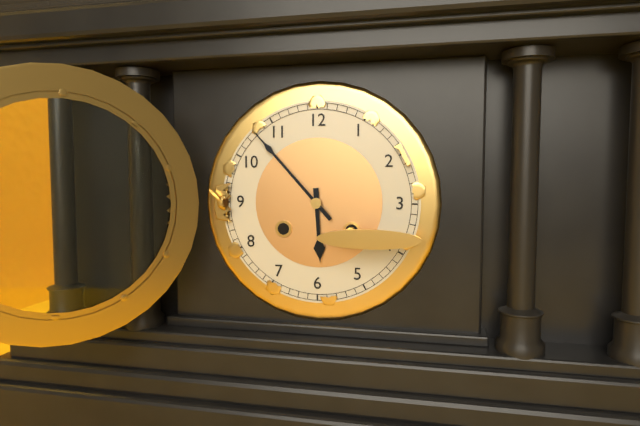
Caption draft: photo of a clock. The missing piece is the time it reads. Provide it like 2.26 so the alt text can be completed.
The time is 5.53
